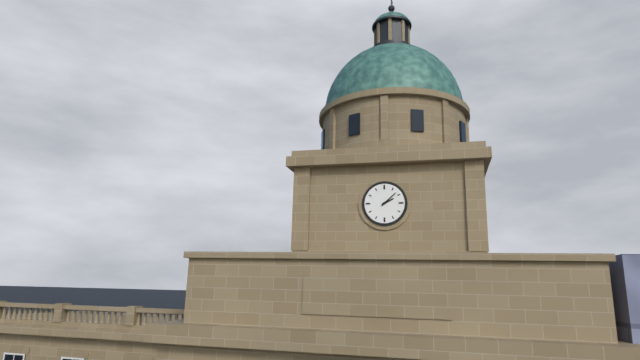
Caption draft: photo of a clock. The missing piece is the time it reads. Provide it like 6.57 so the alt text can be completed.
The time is 2.08
